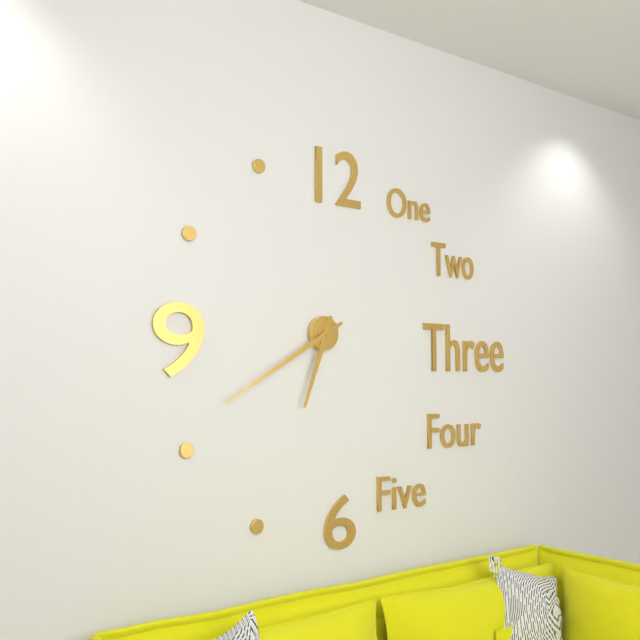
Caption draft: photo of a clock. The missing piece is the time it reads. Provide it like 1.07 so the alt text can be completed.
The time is 6.40
